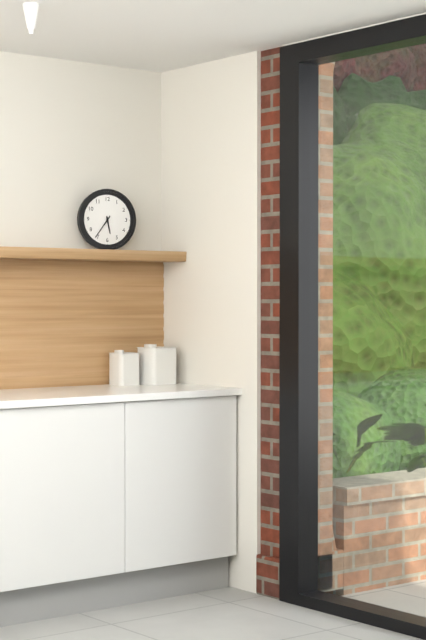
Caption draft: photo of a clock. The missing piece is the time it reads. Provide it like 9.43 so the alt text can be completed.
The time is 5.36
